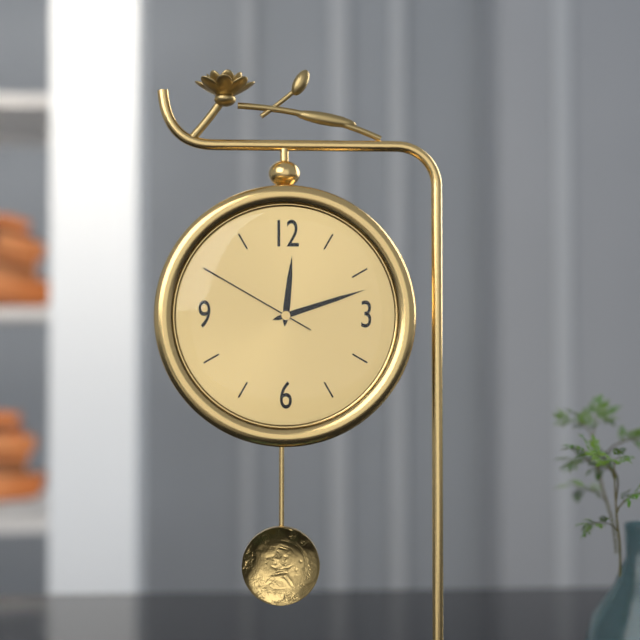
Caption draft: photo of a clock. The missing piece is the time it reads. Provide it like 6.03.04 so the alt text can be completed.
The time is 12.12.50
